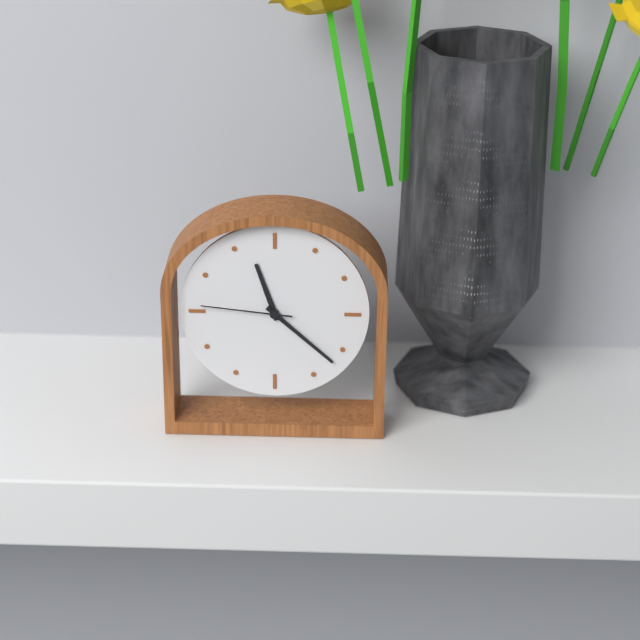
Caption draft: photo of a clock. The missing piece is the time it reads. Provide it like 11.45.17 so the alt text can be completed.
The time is 11.22.46
